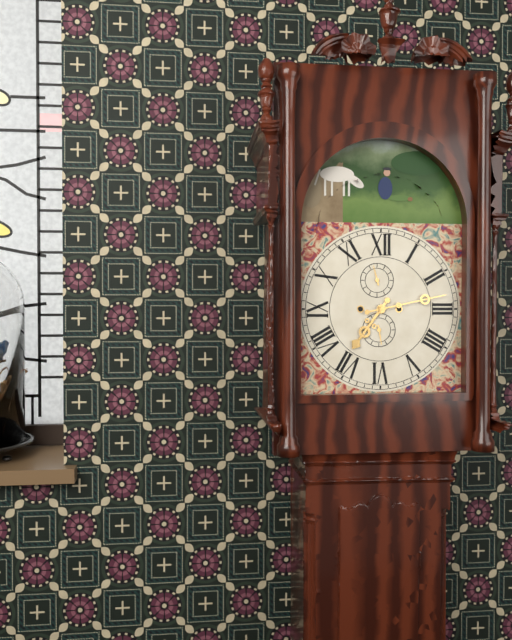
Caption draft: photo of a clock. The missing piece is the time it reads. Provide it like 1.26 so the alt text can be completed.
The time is 7.13
